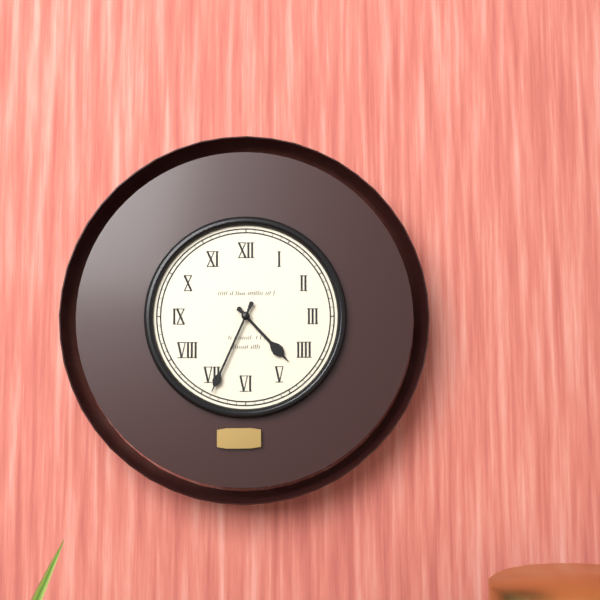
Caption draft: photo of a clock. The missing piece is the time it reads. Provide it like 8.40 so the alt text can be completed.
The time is 4.34
